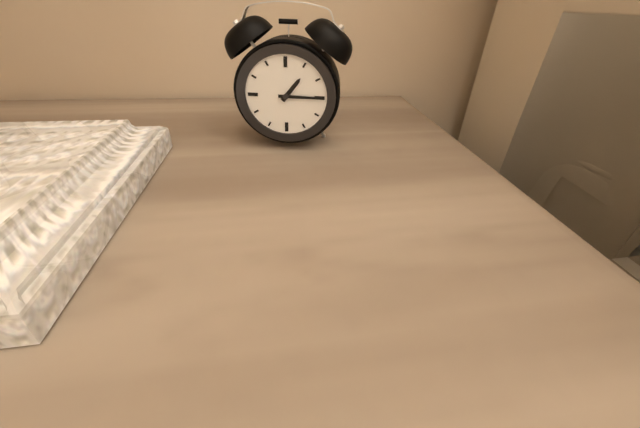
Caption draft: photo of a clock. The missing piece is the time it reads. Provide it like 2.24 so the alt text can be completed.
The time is 1.15
